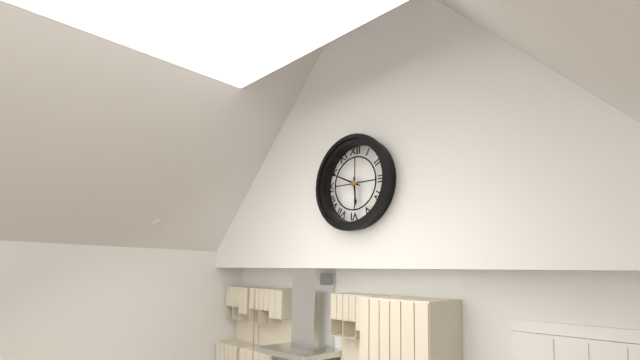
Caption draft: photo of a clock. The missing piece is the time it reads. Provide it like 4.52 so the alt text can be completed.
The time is 5.49
